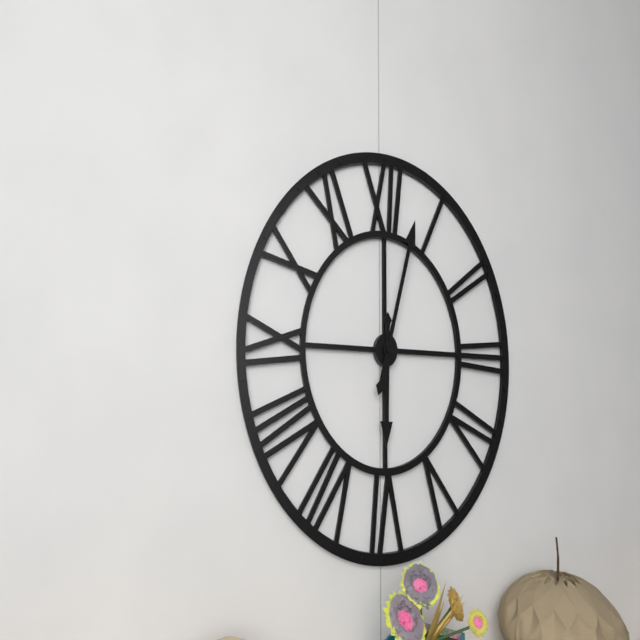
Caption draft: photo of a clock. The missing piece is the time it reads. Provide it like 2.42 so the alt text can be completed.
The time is 6.03
